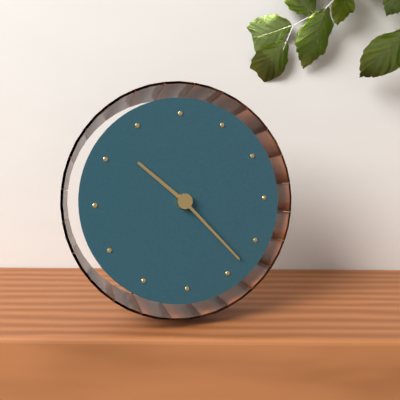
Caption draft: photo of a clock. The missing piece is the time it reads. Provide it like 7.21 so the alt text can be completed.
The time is 10.23
